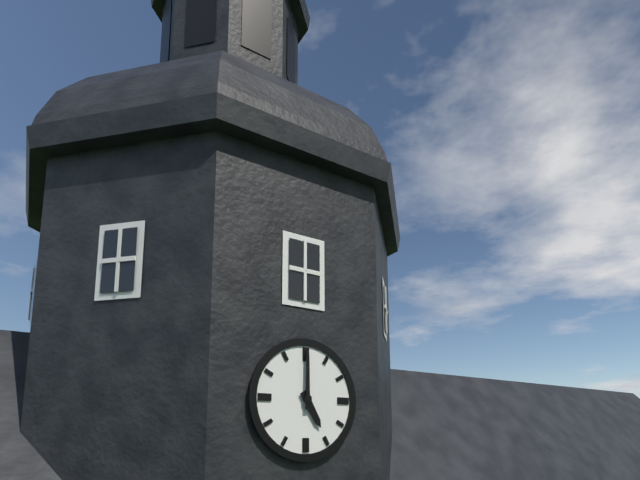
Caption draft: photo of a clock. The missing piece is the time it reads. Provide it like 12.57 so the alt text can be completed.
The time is 5.00
